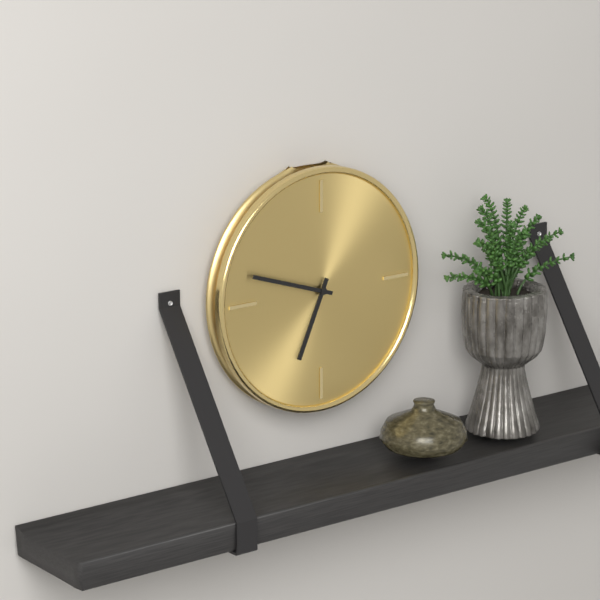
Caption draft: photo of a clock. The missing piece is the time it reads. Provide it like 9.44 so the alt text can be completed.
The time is 6.48
